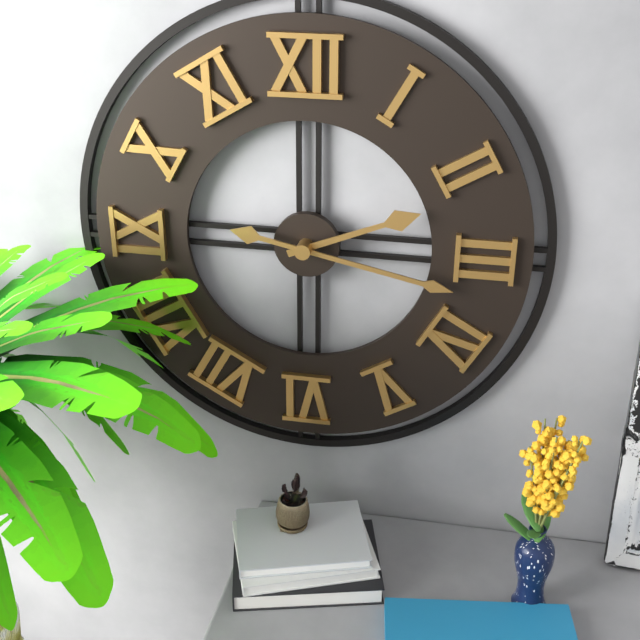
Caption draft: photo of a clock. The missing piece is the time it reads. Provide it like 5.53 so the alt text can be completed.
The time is 2.17
